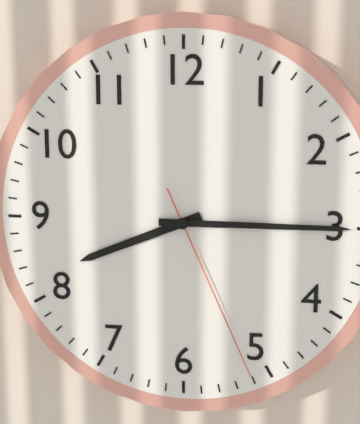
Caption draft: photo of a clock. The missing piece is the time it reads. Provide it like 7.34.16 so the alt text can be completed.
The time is 8.15.26
